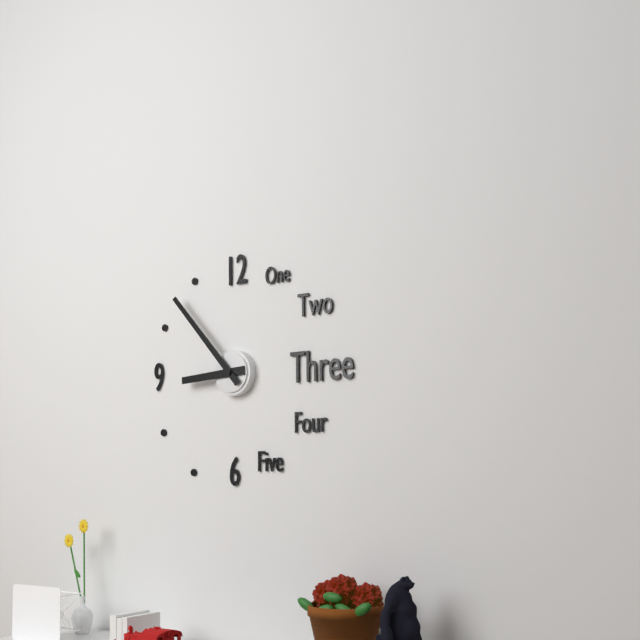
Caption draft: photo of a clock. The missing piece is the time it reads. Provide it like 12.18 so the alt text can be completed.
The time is 8.53
